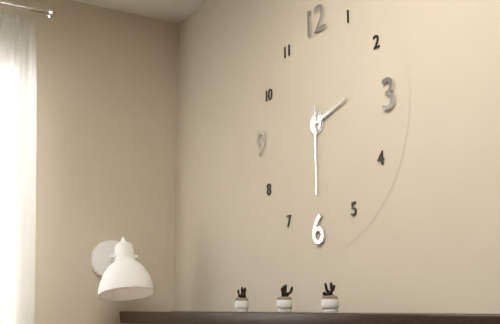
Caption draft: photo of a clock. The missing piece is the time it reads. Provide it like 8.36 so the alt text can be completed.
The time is 2.30
